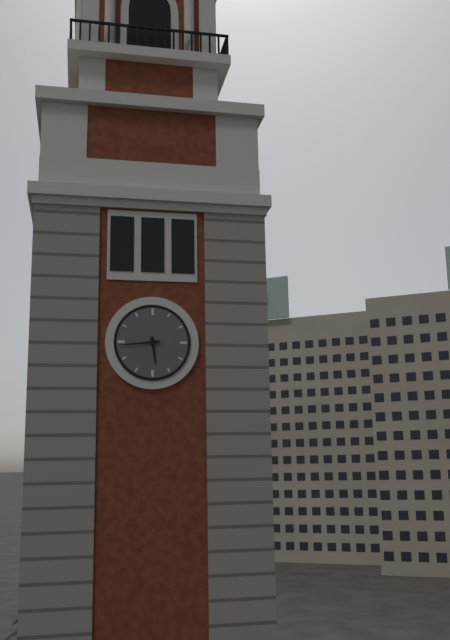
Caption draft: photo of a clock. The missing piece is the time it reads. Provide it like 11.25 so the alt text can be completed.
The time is 5.44
